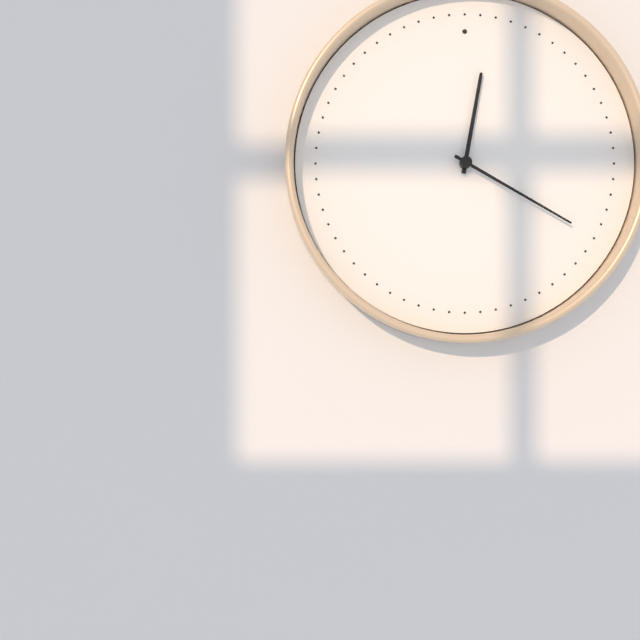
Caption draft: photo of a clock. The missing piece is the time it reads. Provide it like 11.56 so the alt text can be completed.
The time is 12.20
